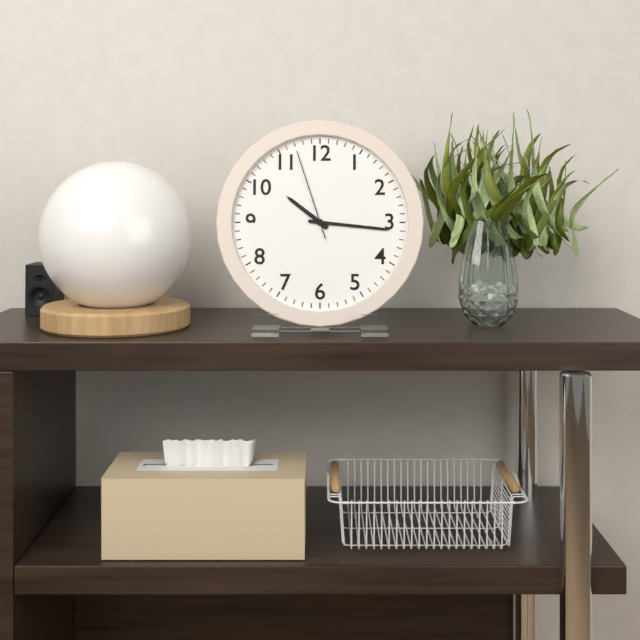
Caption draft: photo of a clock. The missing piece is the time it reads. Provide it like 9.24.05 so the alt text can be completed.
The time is 10.16.57
